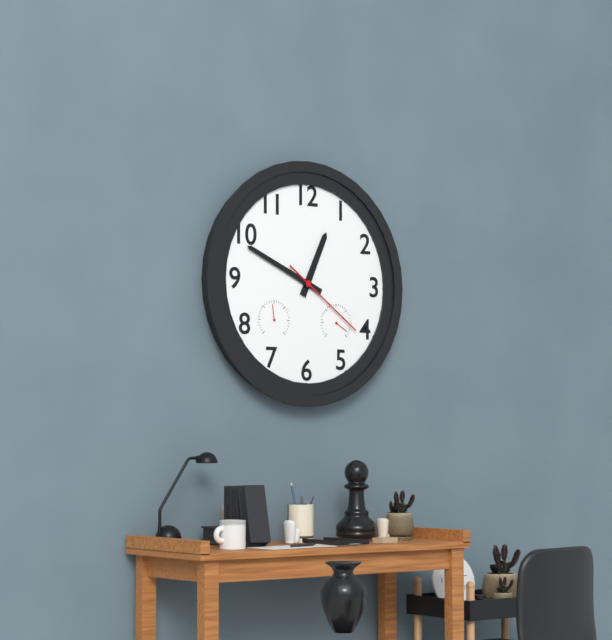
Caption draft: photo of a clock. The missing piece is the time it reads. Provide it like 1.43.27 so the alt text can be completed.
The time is 12.49.21
